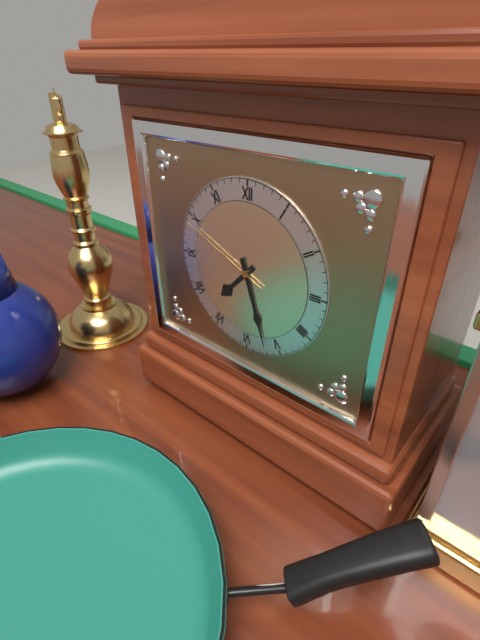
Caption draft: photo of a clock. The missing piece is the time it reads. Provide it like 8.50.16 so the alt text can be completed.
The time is 7.27.49
